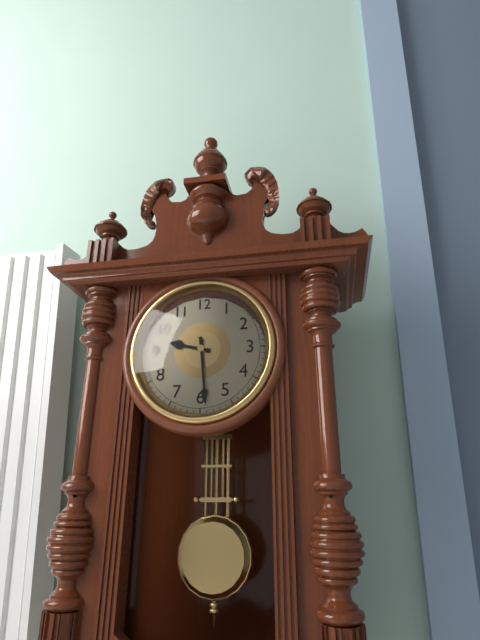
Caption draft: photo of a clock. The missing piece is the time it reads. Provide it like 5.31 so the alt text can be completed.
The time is 9.29
